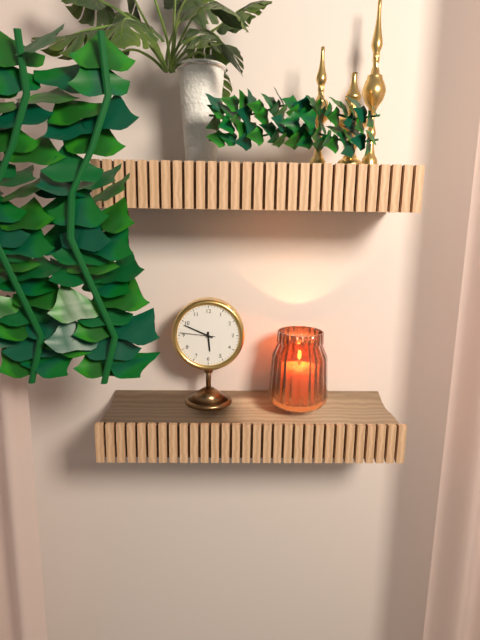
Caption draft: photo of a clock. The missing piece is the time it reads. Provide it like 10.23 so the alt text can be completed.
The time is 5.49
